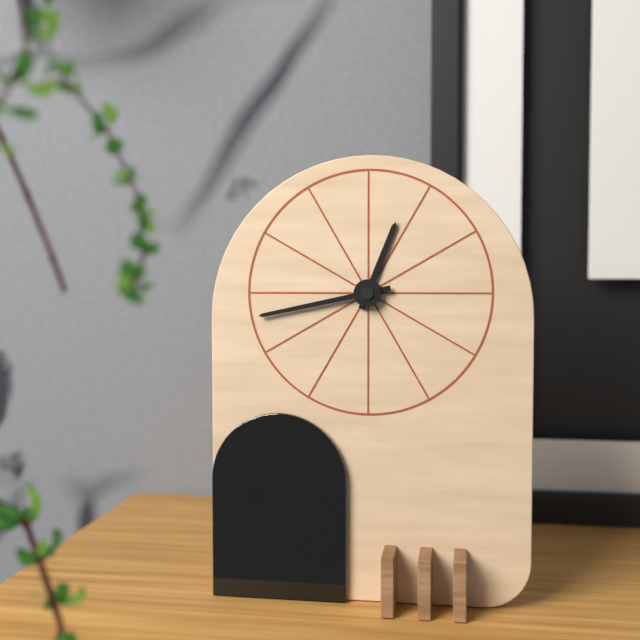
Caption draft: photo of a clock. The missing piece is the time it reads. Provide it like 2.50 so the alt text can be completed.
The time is 12.43
